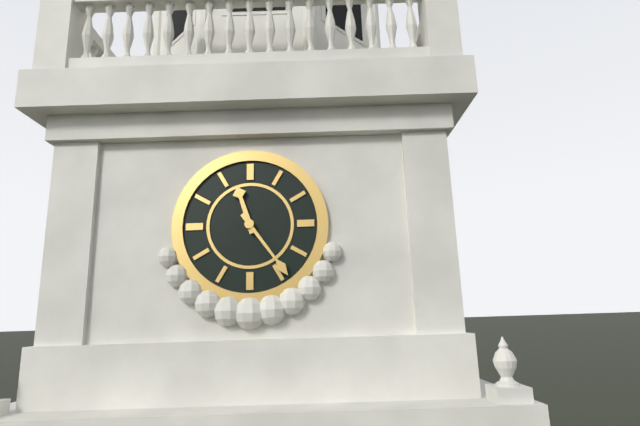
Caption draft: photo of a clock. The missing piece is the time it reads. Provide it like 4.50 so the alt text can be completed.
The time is 11.24
